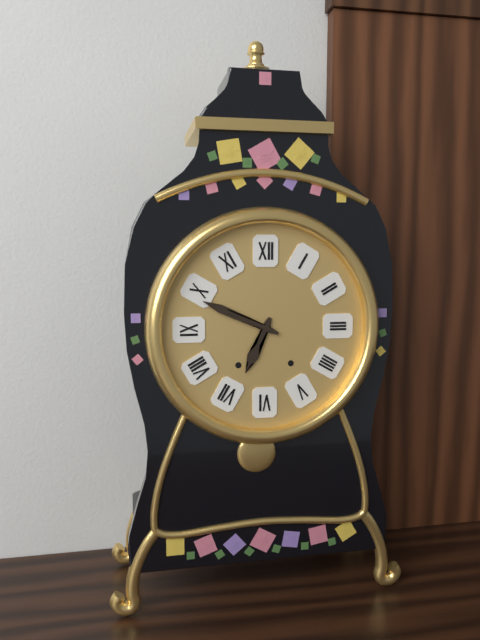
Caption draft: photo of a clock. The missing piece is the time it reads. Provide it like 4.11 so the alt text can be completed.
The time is 6.49
